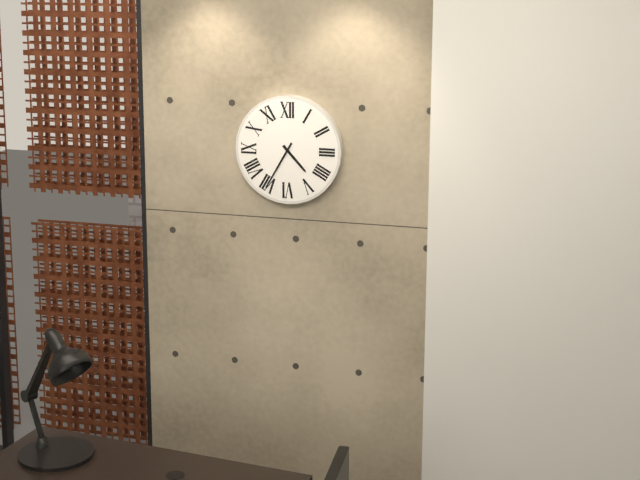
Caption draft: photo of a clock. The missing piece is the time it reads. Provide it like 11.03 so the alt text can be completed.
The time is 4.35
